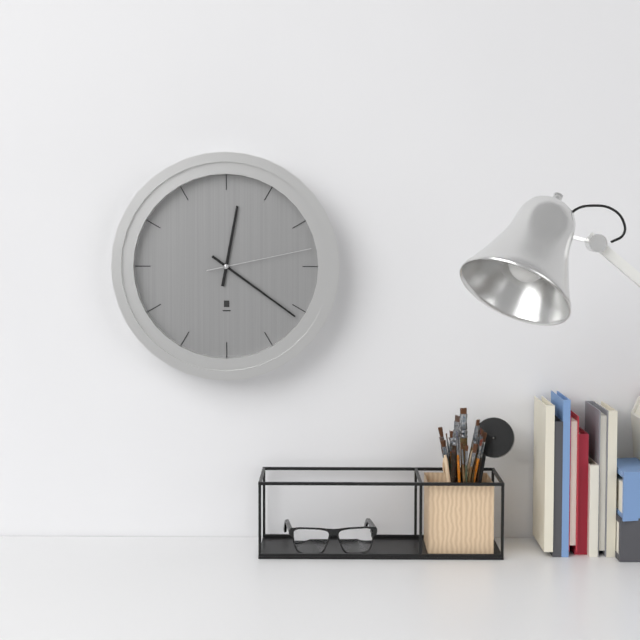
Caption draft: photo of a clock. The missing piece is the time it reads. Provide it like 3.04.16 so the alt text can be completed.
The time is 12.21.13
